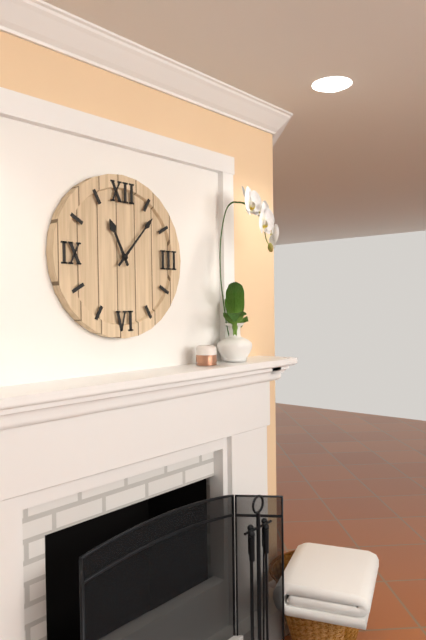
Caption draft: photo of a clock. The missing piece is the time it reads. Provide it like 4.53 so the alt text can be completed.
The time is 11.07
